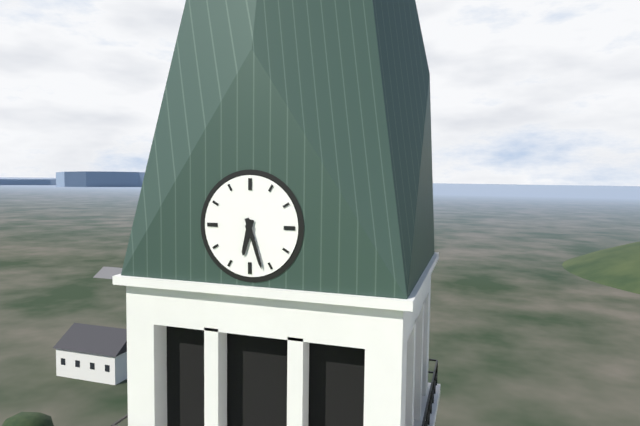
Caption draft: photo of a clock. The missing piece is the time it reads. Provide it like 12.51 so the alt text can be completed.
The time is 6.27
